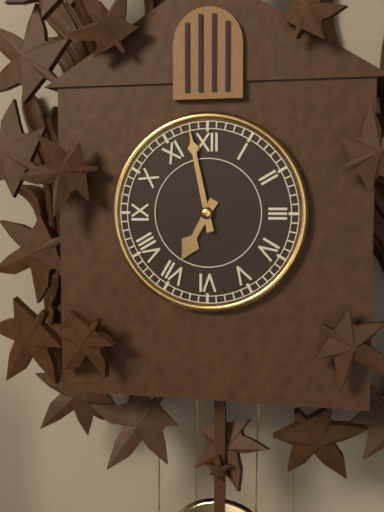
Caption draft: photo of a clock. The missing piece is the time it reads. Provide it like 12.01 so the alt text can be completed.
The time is 6.58
